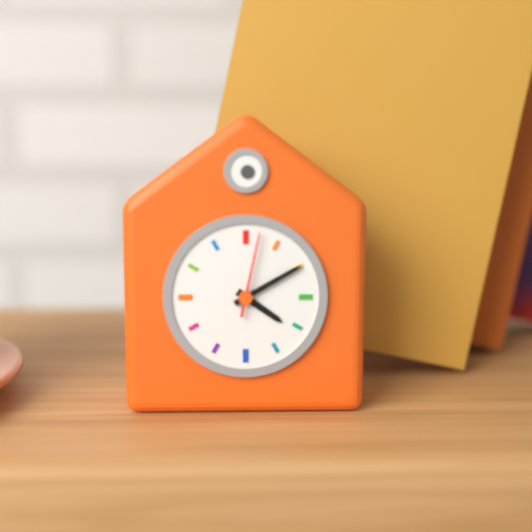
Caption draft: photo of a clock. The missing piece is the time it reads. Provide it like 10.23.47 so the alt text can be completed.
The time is 4.10.02
